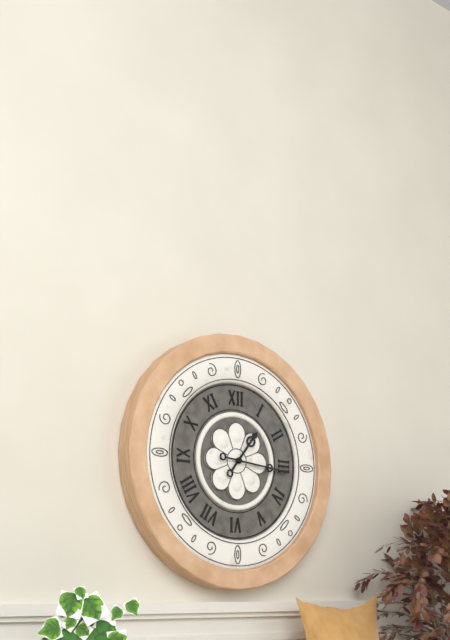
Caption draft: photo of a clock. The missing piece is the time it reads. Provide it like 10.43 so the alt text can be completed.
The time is 1.16
